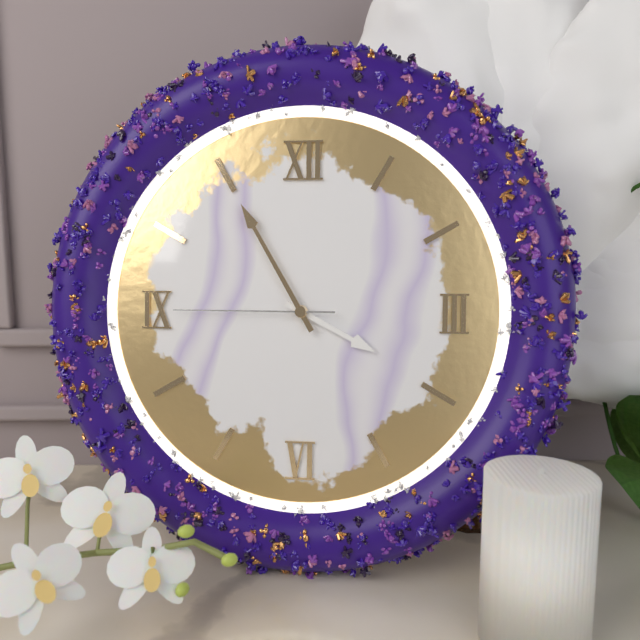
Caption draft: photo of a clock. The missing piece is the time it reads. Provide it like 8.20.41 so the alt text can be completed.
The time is 3.55.45
